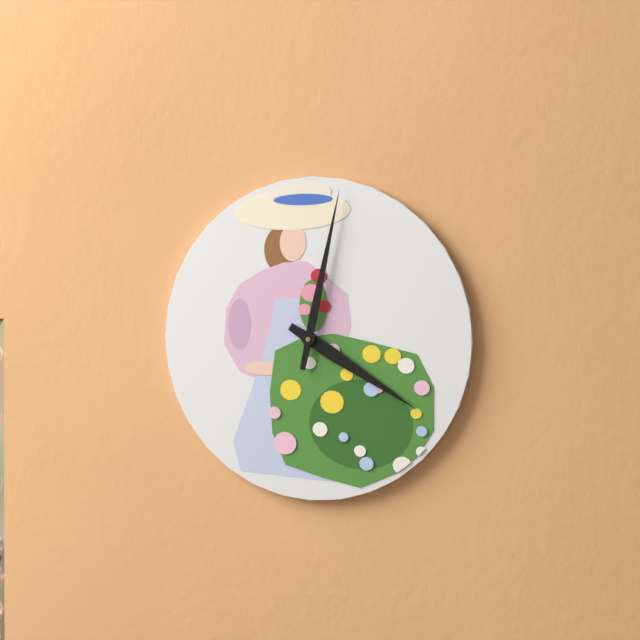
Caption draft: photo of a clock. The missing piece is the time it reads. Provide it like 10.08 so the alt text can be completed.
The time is 4.02
